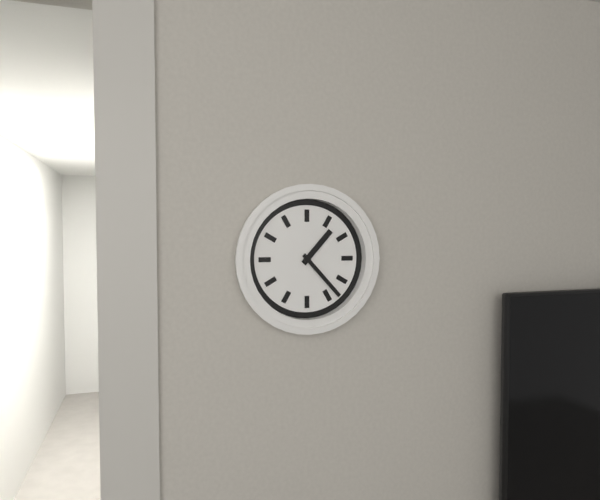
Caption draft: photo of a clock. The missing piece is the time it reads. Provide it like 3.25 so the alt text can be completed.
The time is 1.23
